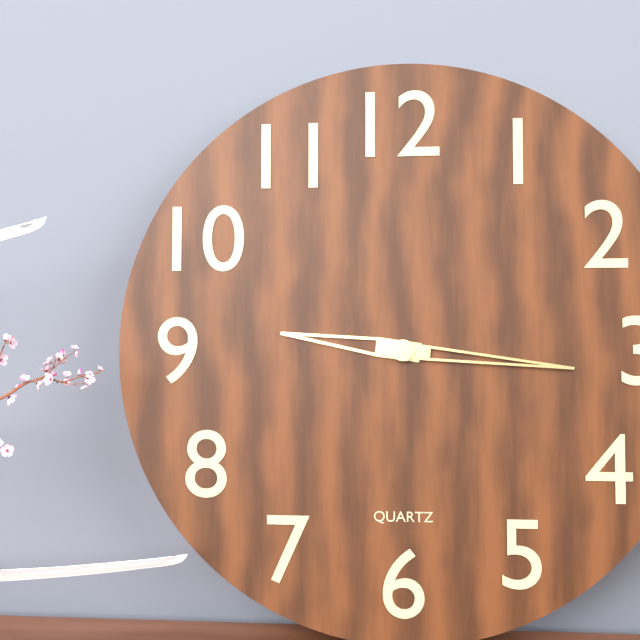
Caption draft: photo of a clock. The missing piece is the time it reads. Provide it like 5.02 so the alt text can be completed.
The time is 9.16
